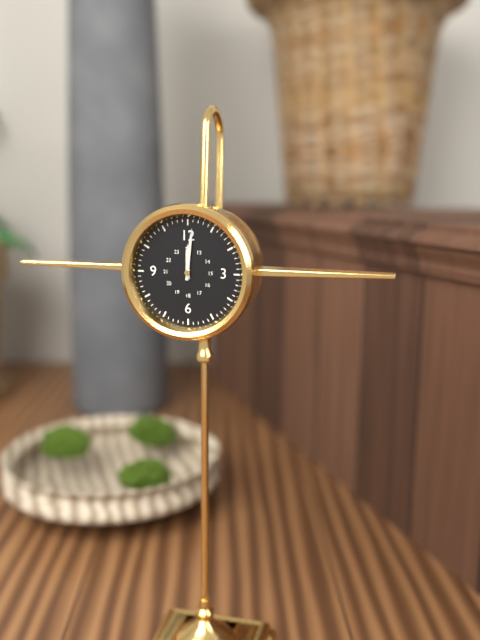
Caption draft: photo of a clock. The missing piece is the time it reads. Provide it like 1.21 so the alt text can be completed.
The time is 12.01
